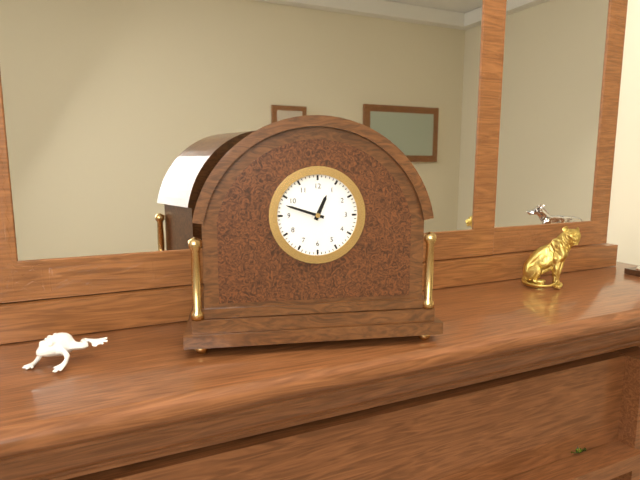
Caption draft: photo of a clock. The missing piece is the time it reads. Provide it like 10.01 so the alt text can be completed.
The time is 12.48
